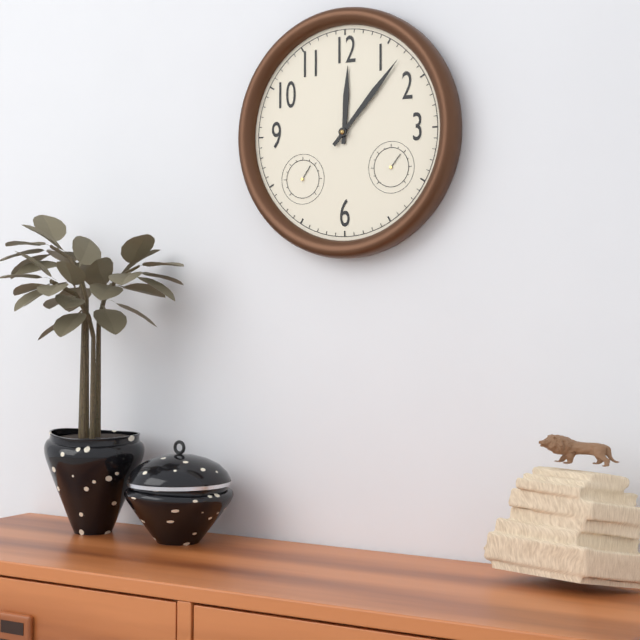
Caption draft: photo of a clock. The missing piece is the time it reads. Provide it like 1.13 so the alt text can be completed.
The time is 12.07
